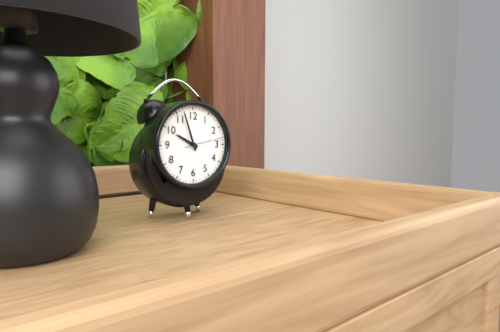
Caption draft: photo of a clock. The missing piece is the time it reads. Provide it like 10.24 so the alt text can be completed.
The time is 9.57
